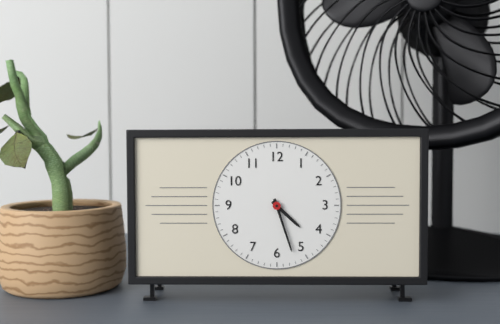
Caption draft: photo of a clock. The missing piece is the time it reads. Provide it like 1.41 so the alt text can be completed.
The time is 4.27
